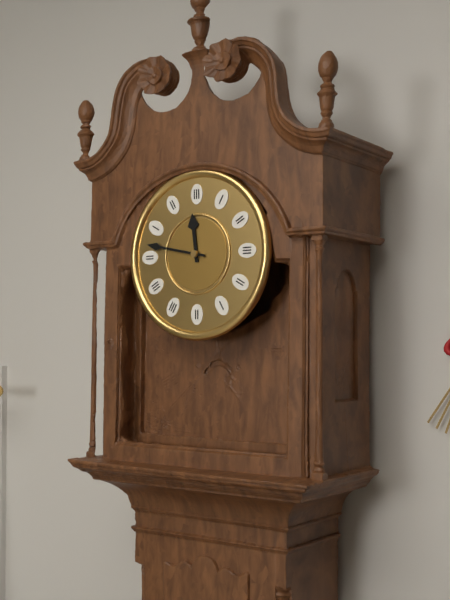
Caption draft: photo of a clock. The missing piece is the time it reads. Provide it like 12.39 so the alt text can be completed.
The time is 11.47
